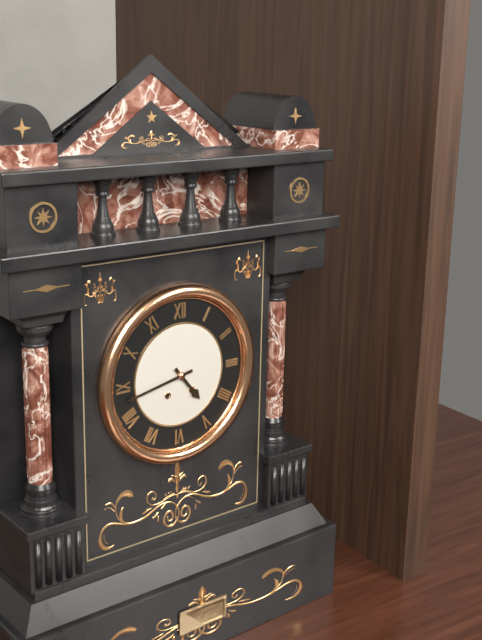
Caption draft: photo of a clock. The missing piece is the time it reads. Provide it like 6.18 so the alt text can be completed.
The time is 4.43
